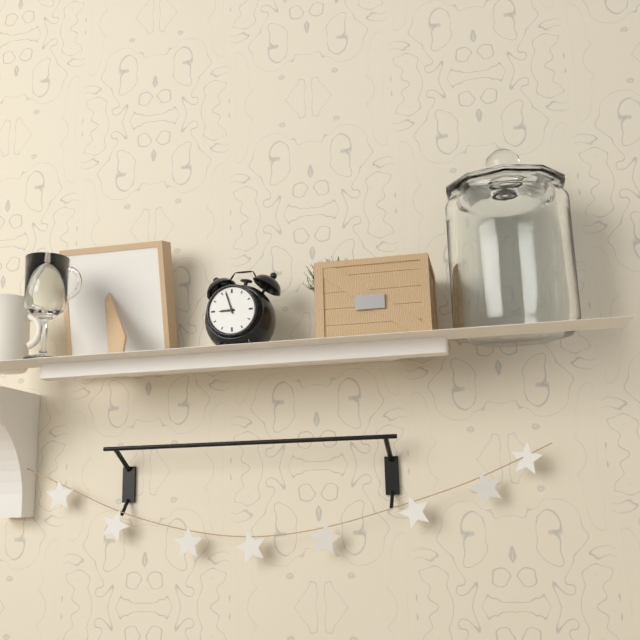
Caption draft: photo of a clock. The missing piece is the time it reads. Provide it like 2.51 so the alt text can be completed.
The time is 8.57
